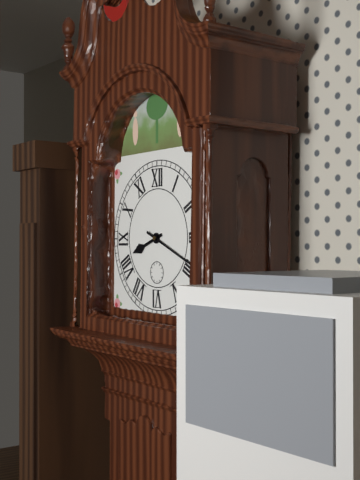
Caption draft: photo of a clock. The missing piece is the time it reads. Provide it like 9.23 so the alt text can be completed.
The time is 8.19
